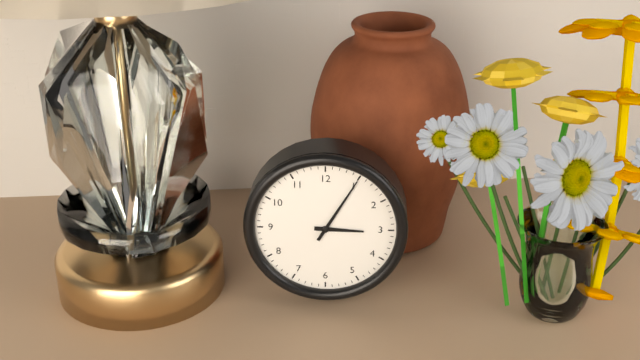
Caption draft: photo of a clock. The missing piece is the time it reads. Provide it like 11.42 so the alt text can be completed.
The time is 3.05
